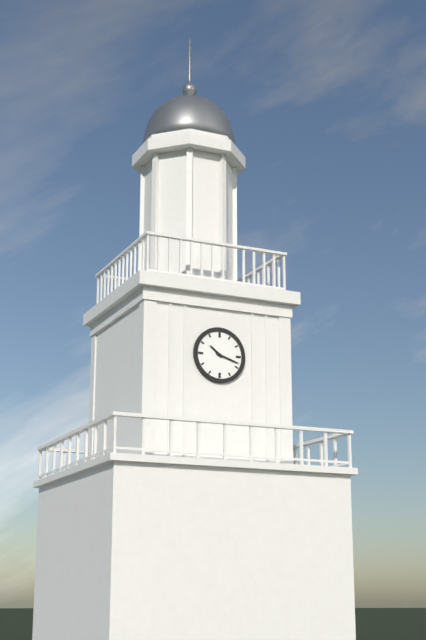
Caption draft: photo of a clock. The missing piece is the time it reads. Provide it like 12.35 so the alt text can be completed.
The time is 10.18
